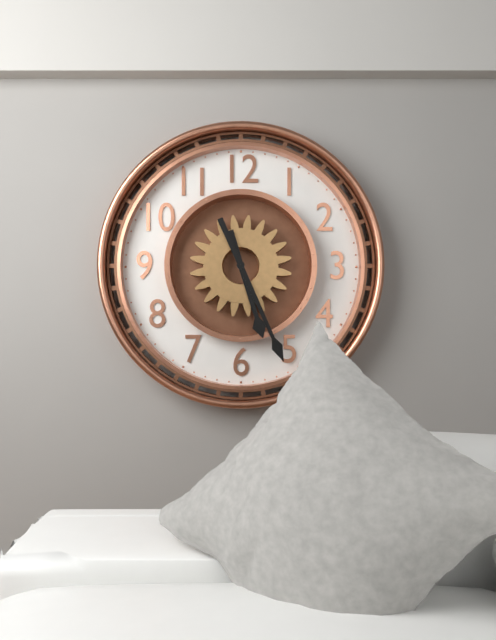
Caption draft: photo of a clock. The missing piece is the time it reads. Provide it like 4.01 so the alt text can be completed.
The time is 5.26
